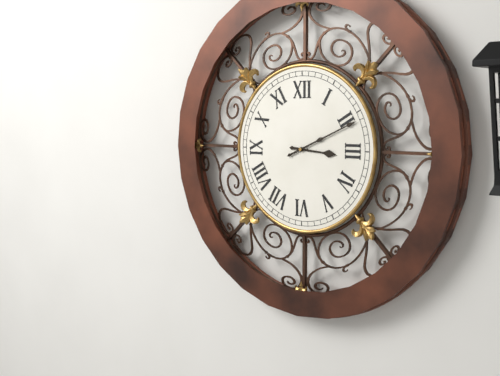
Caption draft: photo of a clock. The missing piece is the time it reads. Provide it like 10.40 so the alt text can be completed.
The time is 3.11
